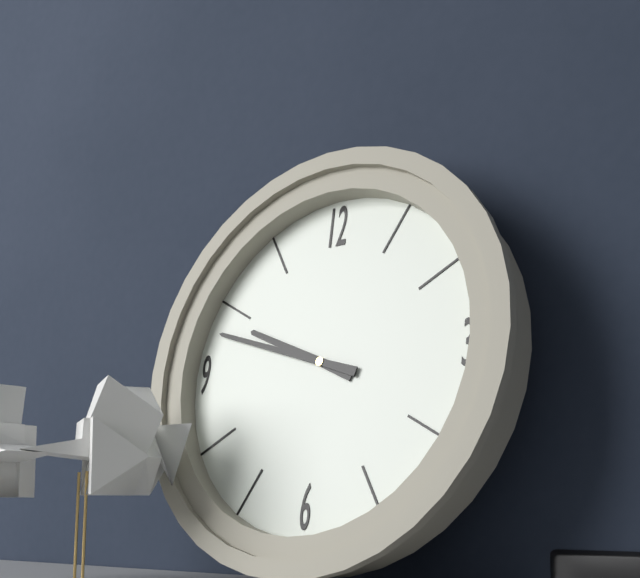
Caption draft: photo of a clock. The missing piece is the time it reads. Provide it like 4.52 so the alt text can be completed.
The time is 9.48
